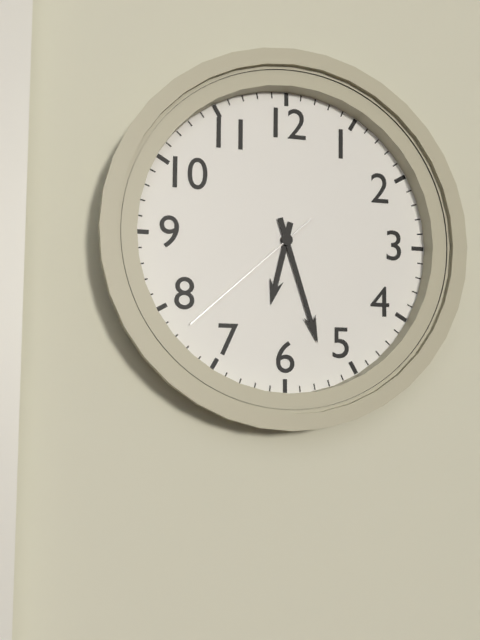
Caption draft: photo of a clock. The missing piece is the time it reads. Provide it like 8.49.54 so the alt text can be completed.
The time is 6.27.38
